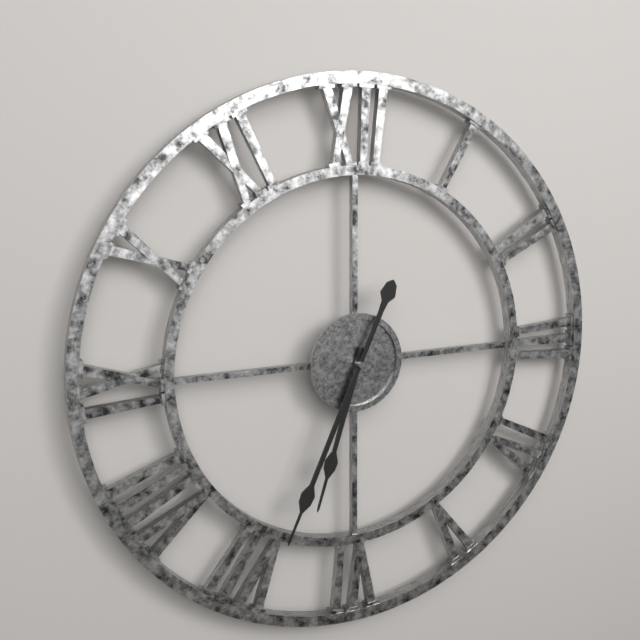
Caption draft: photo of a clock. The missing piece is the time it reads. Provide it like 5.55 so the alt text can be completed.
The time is 6.34
